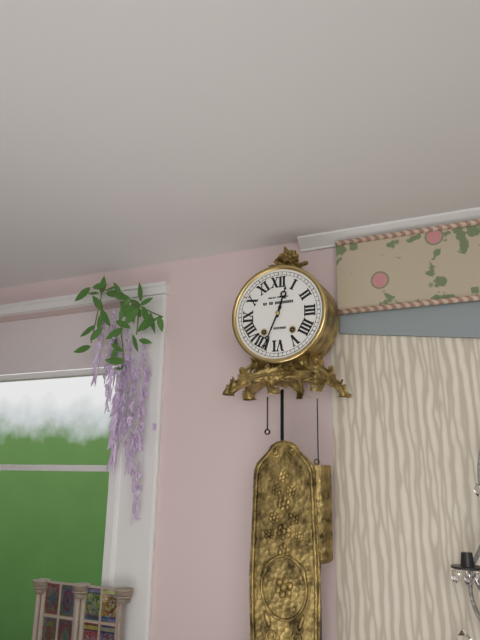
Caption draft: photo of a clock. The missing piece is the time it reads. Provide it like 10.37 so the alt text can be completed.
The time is 12.34
